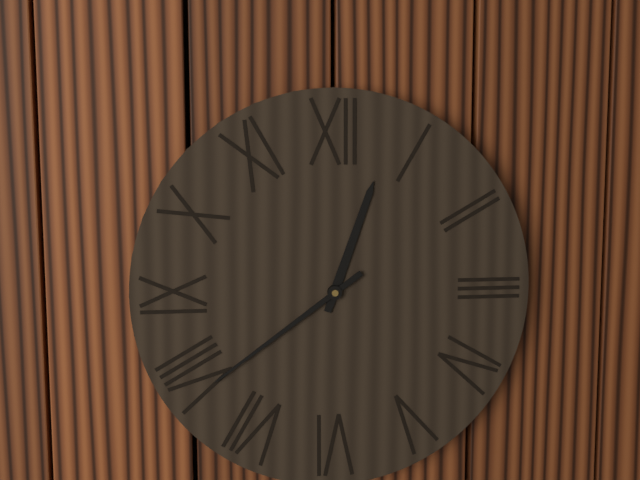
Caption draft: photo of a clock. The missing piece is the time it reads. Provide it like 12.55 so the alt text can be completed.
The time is 12.39
